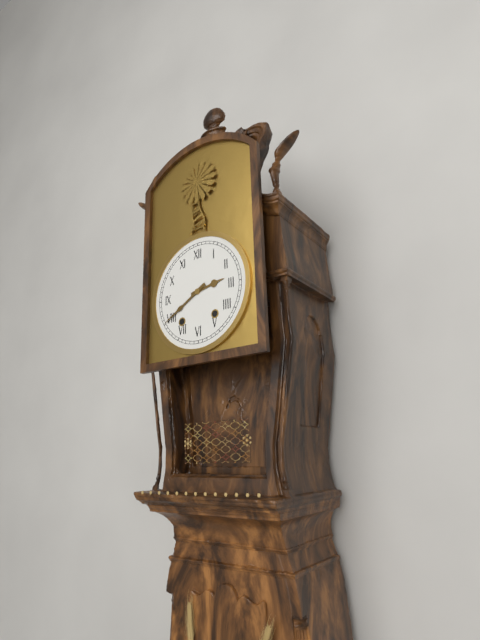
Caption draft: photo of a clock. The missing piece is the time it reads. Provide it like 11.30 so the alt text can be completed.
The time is 2.40
